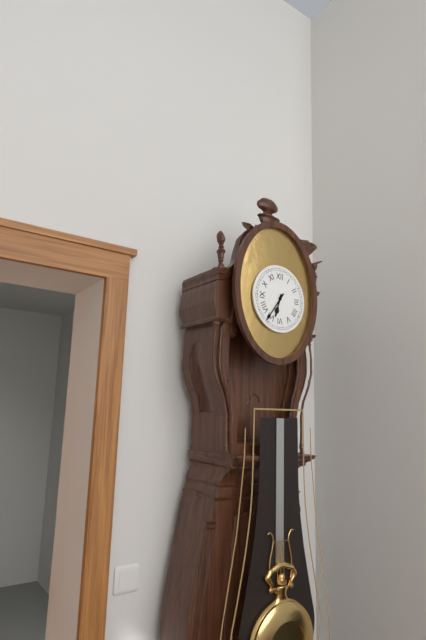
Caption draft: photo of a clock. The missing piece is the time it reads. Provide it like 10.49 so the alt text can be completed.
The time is 6.36
